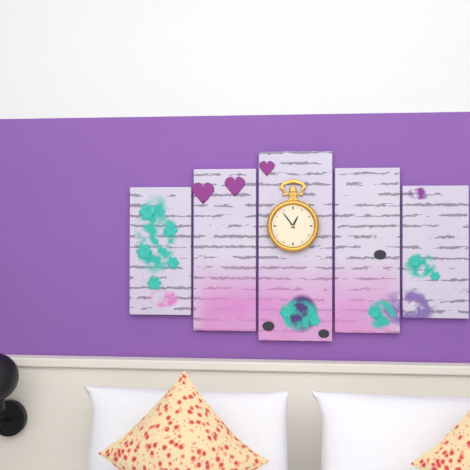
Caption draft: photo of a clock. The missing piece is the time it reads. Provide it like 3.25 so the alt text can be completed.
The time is 12.54
